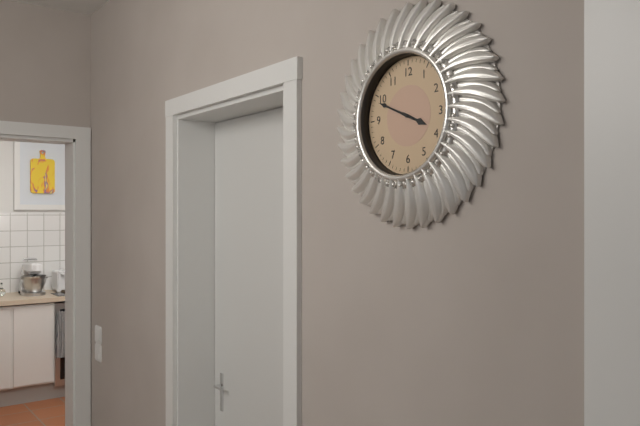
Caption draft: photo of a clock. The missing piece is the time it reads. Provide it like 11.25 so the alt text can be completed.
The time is 3.49
